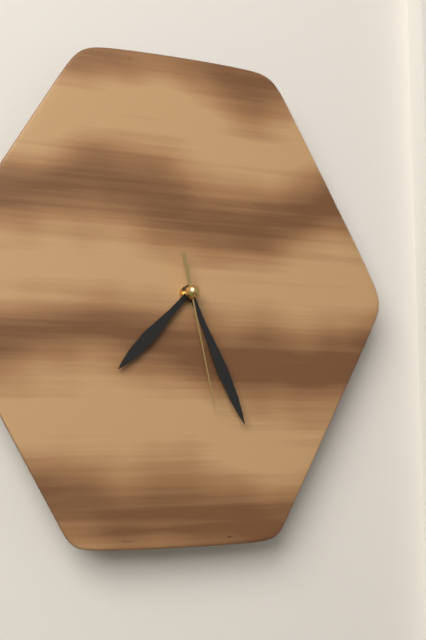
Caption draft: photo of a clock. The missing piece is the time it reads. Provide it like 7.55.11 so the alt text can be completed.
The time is 7.26.28
